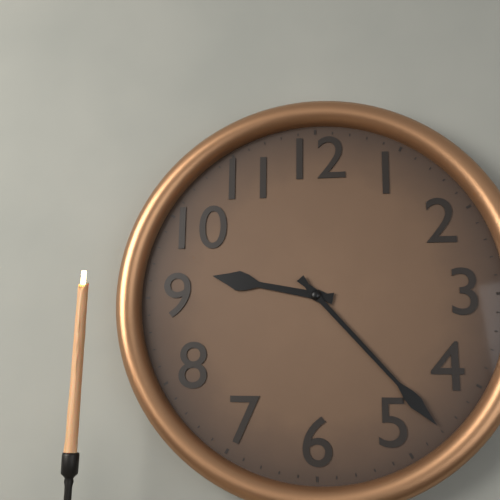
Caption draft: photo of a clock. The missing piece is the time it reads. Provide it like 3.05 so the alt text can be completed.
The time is 9.23
